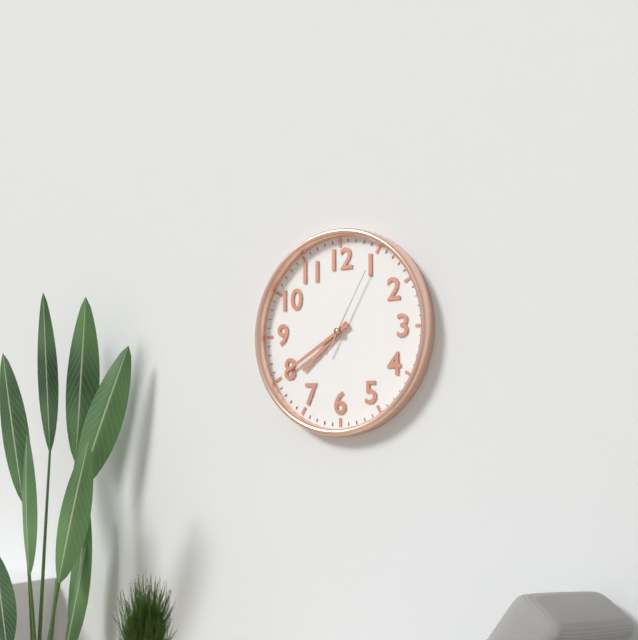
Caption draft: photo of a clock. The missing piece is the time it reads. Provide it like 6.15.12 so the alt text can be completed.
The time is 7.40.05
